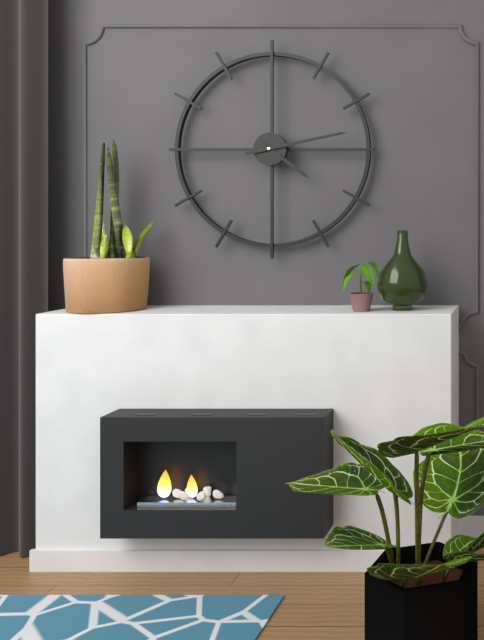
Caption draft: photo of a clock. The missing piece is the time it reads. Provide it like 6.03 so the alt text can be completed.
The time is 4.13
